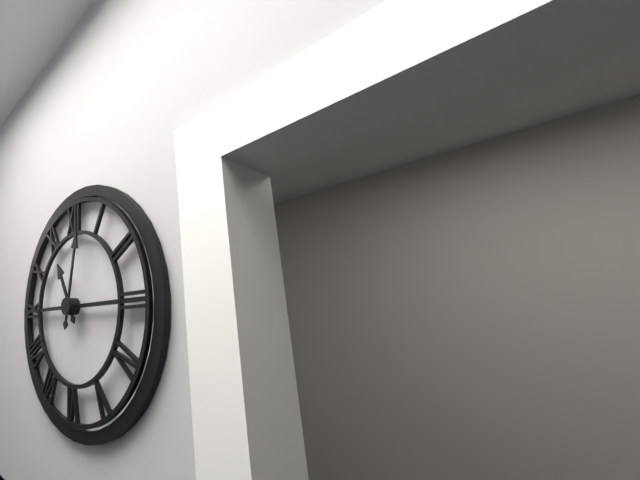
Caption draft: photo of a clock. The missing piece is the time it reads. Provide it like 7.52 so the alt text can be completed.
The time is 11.02
